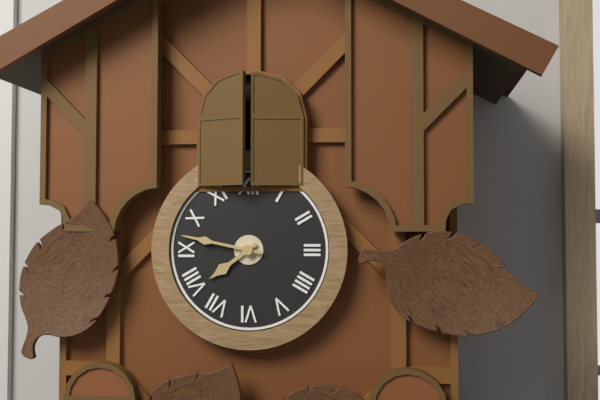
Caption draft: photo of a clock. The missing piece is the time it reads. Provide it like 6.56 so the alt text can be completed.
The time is 7.47
